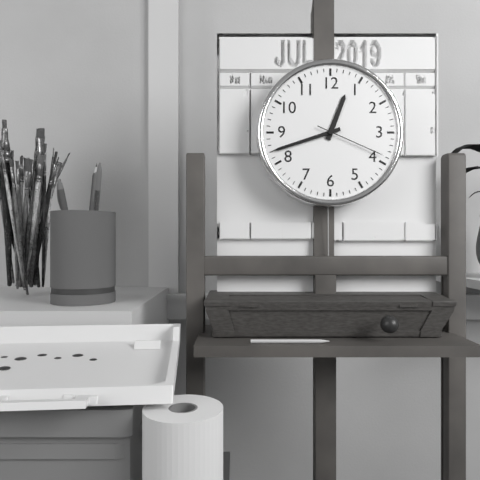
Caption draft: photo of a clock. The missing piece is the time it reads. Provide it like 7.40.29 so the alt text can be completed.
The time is 12.42.19
